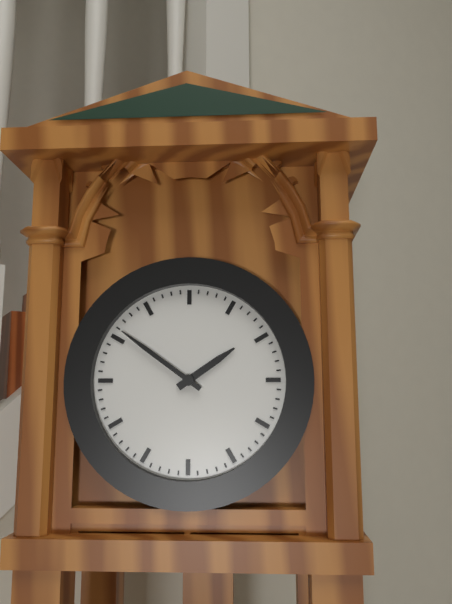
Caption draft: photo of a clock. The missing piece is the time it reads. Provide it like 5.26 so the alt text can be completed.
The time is 1.51
